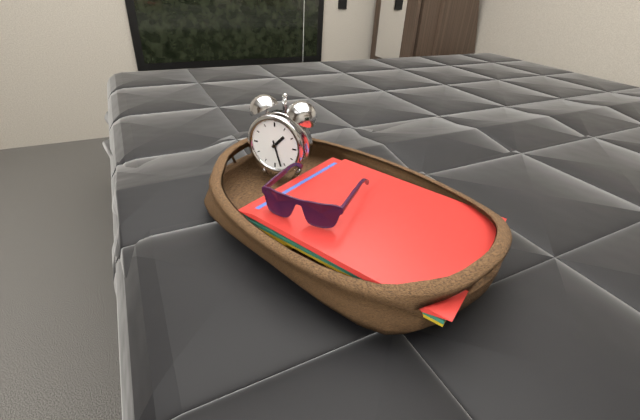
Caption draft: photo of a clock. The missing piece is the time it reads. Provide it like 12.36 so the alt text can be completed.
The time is 1.27
